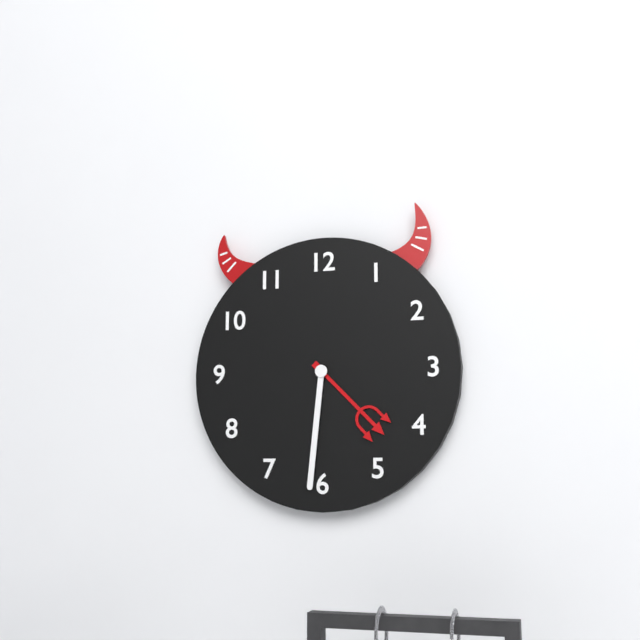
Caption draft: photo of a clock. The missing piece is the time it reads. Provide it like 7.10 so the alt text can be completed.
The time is 4.31
